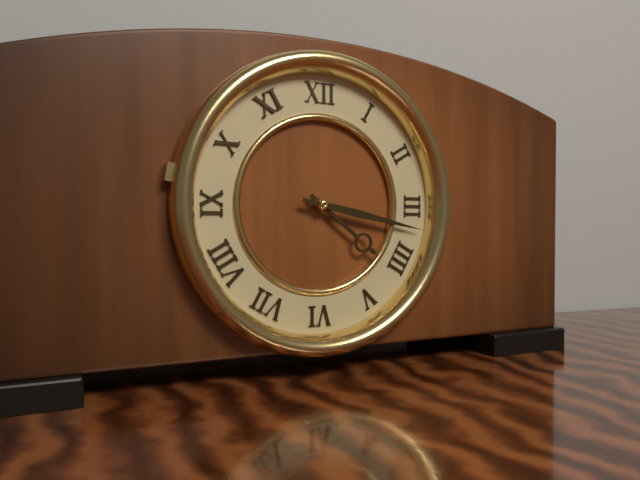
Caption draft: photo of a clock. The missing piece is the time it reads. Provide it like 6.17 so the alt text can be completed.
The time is 4.17
